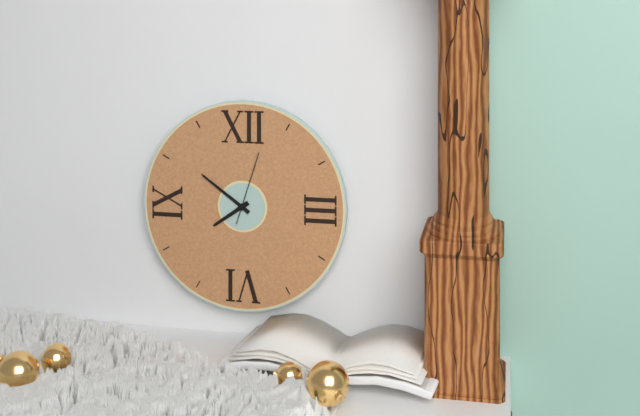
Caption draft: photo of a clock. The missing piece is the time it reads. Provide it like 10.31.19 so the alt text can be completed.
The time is 7.51.03
